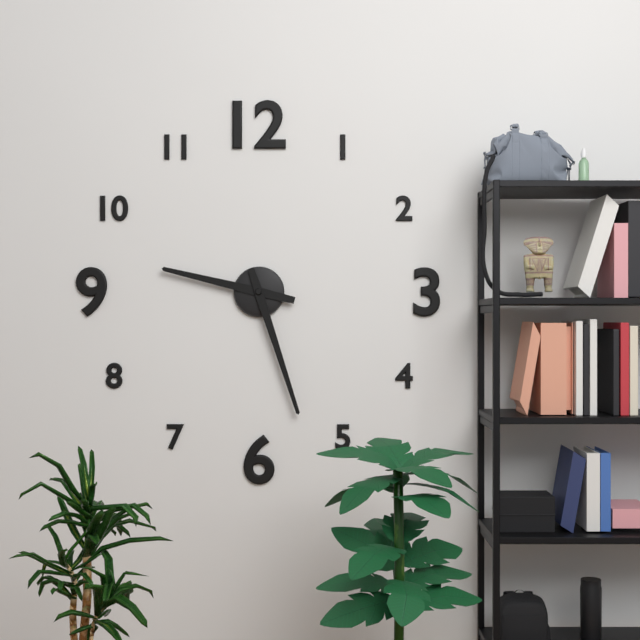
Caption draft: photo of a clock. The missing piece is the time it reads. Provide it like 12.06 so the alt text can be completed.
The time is 9.27
